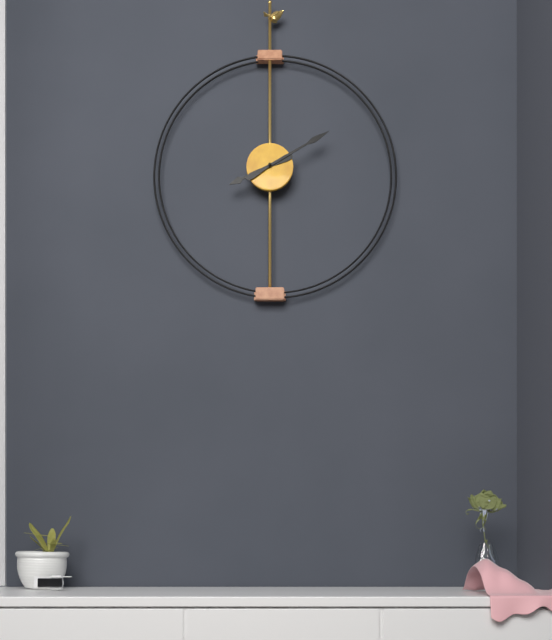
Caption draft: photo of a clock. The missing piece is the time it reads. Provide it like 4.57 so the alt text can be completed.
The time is 8.10
